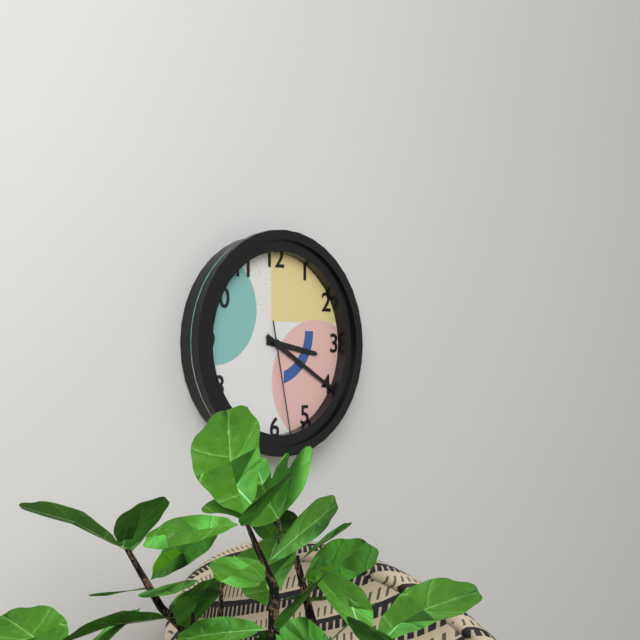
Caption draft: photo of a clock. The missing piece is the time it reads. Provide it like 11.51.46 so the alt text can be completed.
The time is 3.20.28
